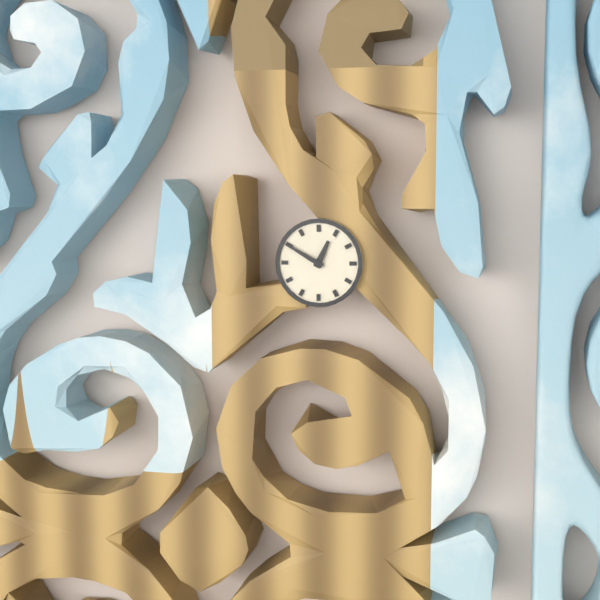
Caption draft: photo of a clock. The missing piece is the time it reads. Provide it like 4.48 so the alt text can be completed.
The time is 12.50
